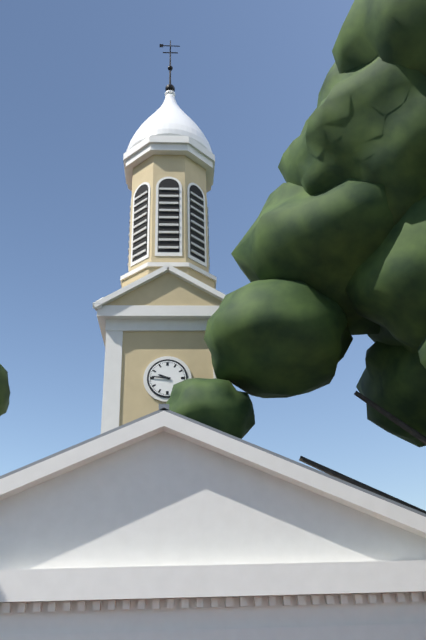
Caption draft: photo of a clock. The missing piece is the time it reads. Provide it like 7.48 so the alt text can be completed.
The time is 9.46
